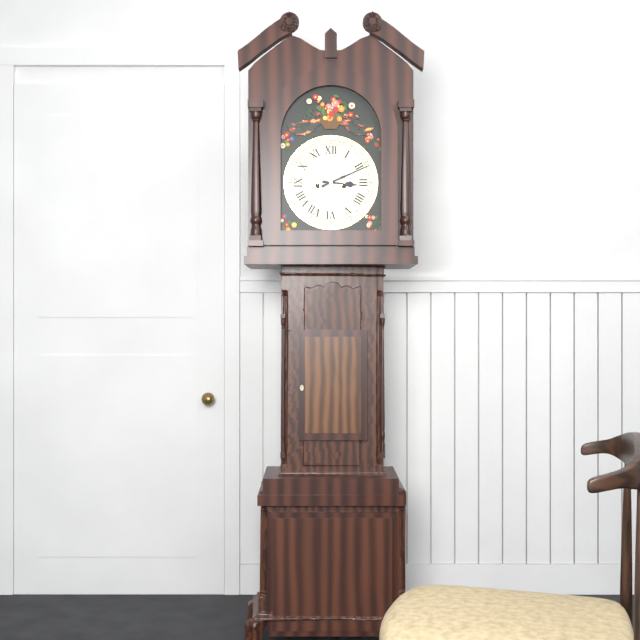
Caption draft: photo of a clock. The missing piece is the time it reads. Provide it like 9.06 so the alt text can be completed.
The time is 3.11
